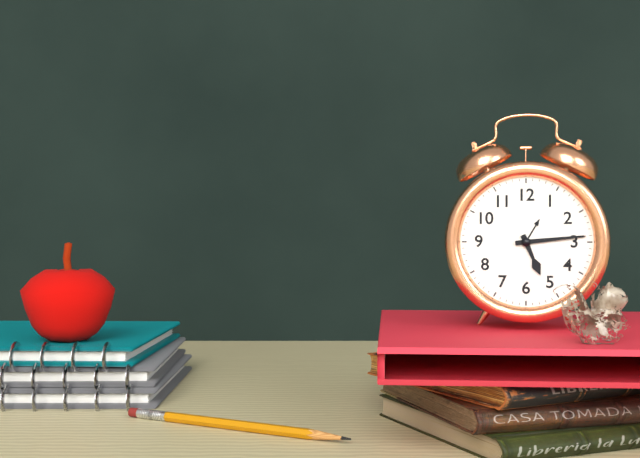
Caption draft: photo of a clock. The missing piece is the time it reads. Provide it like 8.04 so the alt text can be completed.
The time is 5.14
